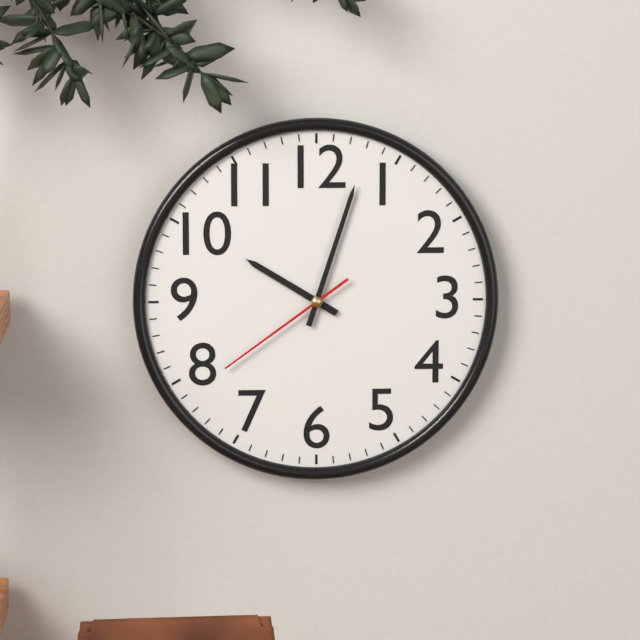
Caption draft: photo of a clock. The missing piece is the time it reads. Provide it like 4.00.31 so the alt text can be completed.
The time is 10.03.39
